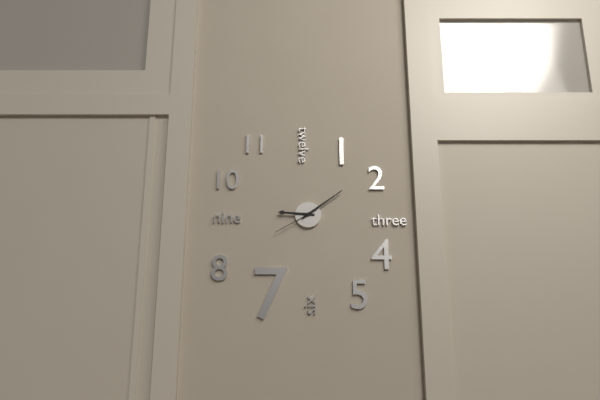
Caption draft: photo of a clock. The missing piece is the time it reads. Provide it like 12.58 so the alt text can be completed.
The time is 9.09
